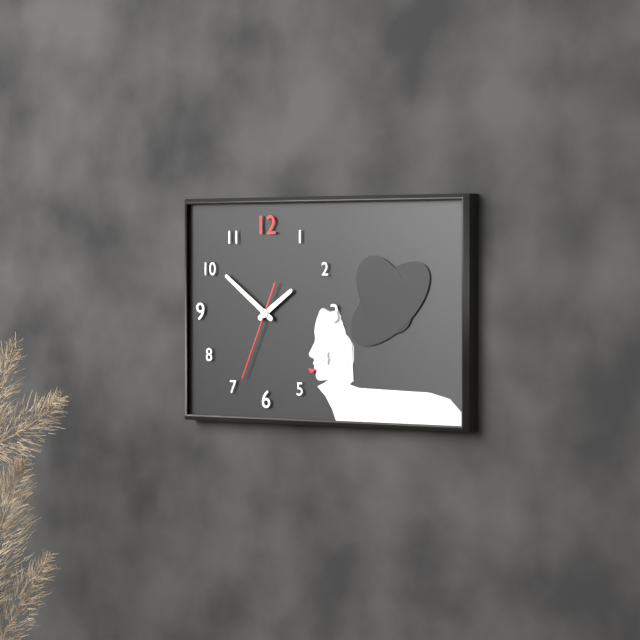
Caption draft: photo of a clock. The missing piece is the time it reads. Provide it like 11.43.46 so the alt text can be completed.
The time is 1.51.34
